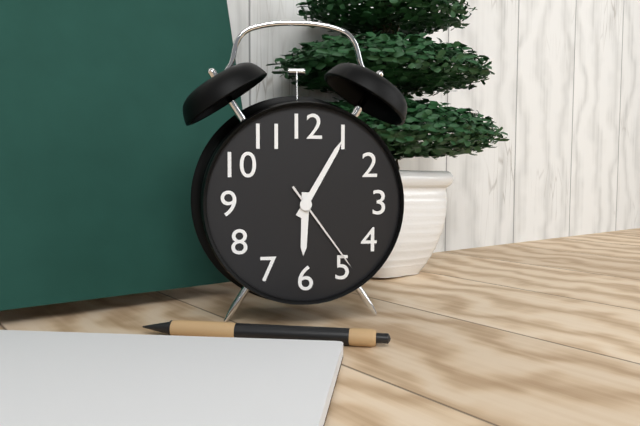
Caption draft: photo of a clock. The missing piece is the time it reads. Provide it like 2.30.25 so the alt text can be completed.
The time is 6.05.24
